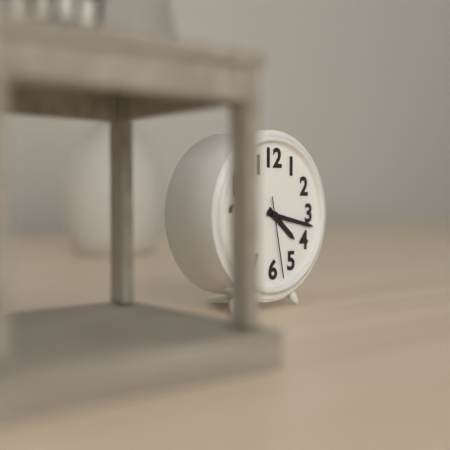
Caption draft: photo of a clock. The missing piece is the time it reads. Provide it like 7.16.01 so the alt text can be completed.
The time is 4.17.28
